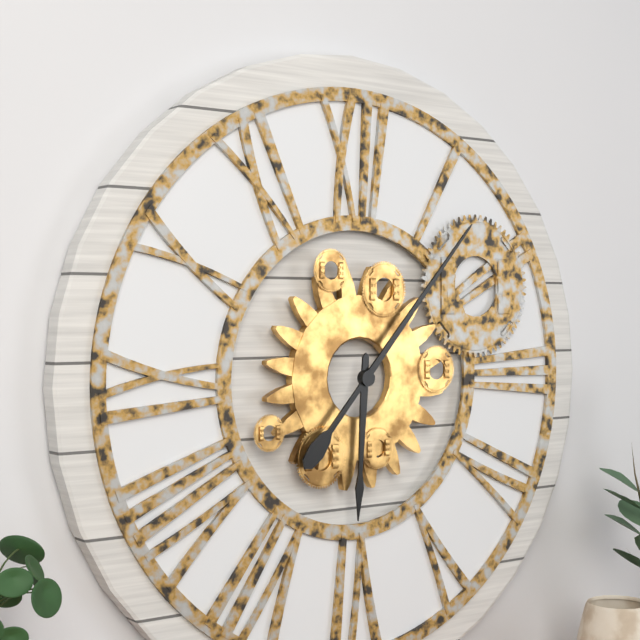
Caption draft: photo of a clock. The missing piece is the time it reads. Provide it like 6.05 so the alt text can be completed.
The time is 6.07
